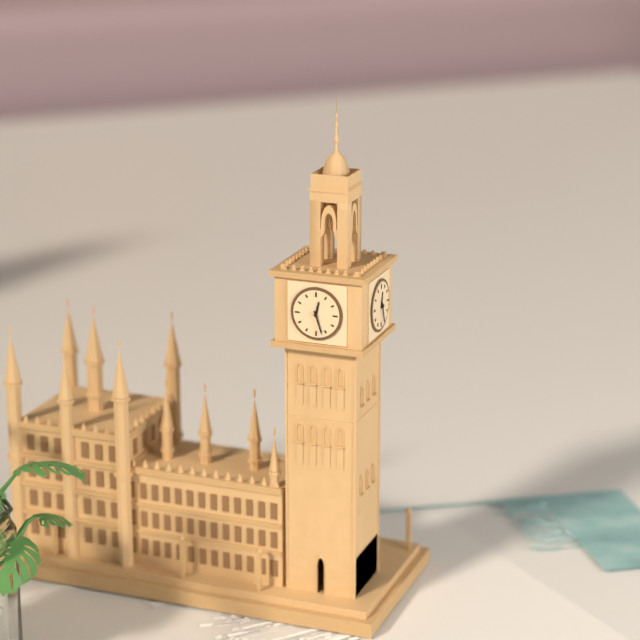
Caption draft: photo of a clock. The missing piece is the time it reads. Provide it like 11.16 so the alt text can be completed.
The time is 12.27
